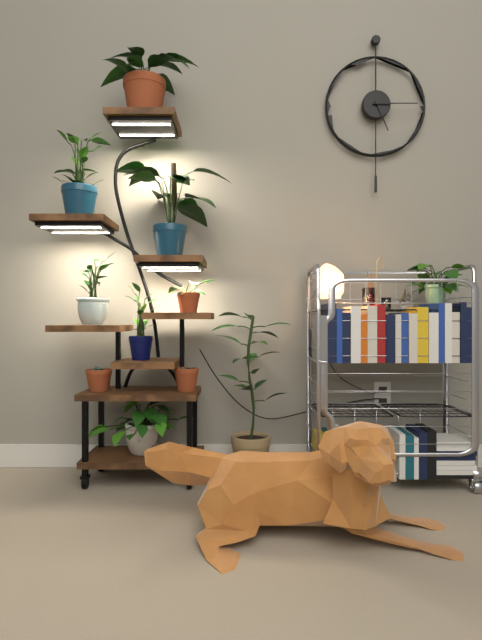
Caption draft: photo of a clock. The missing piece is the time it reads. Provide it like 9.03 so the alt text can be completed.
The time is 5.15
